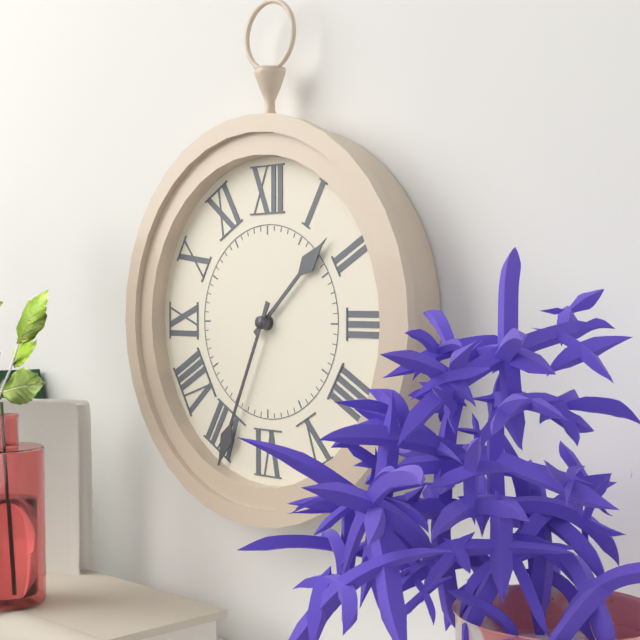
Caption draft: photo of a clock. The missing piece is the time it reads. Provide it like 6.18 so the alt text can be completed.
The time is 1.34
